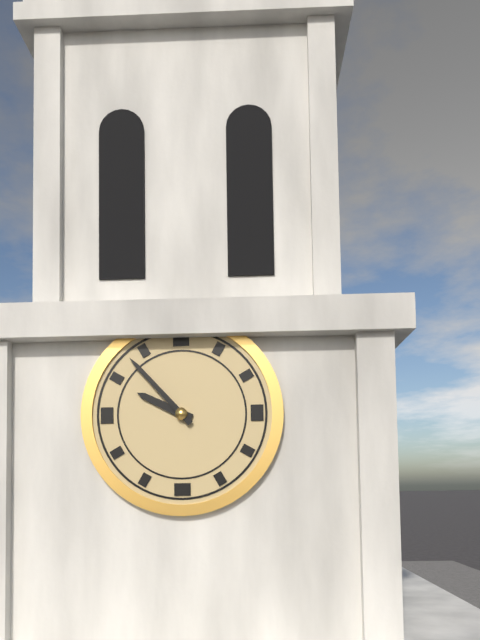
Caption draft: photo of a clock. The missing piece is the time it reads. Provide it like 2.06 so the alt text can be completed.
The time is 9.53
